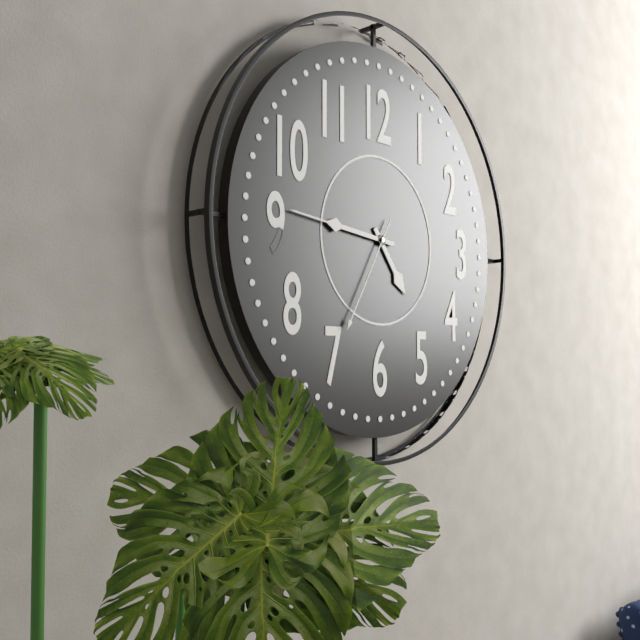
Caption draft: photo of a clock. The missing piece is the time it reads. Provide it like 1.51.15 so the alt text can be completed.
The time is 4.46.35
